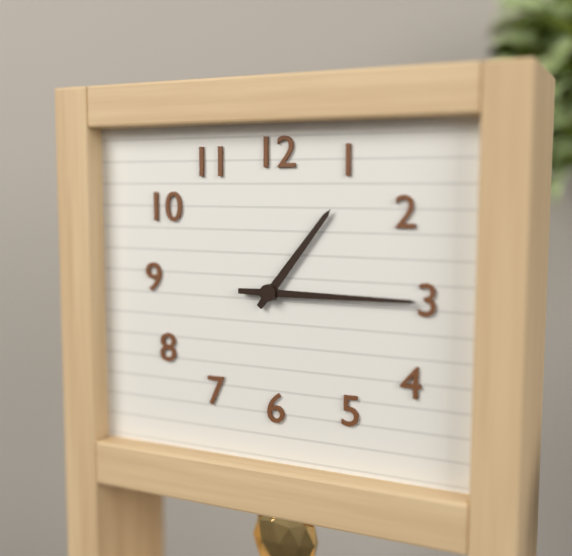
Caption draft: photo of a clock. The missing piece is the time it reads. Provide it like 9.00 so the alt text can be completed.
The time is 1.15
